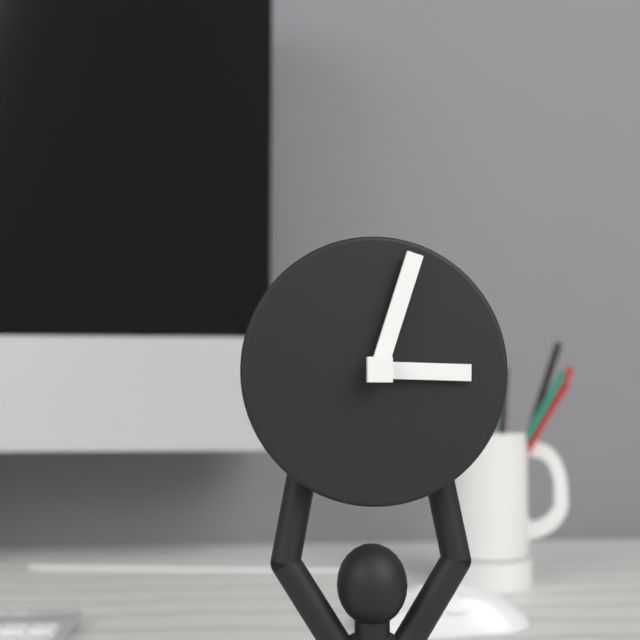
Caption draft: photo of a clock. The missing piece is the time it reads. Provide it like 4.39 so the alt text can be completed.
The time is 3.03
